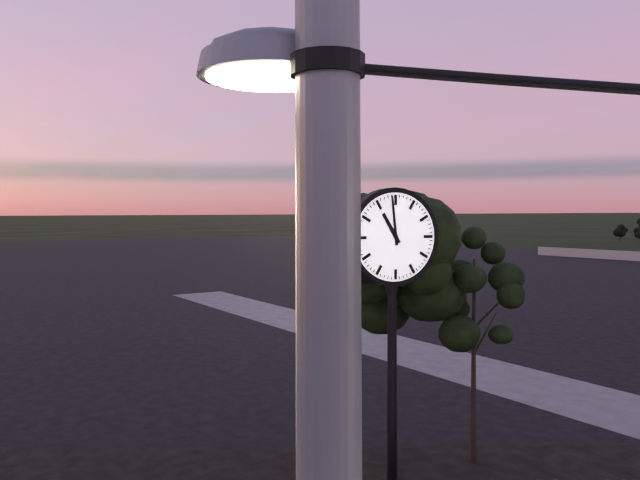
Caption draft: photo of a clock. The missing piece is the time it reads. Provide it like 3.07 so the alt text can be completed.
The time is 10.59
